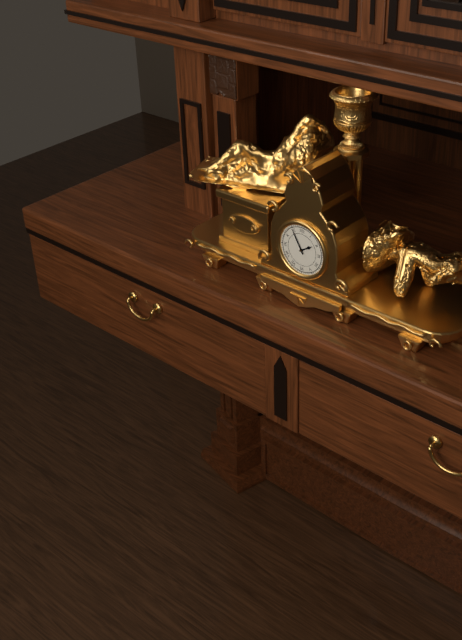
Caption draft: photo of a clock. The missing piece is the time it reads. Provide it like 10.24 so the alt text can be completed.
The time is 1.55
